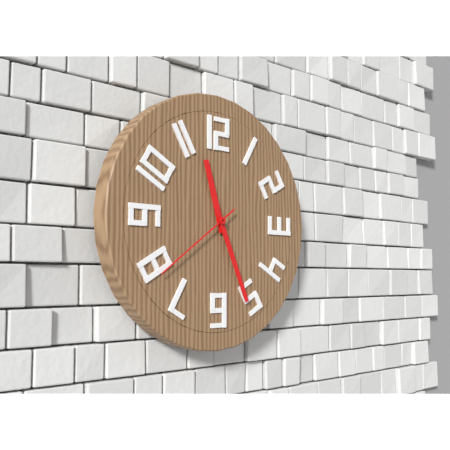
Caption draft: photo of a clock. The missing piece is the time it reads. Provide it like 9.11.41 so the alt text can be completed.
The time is 11.26.39
